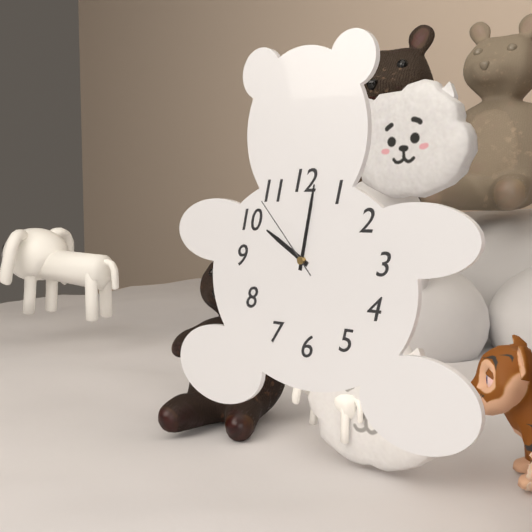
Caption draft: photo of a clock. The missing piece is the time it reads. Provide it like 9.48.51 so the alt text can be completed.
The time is 10.02.53
